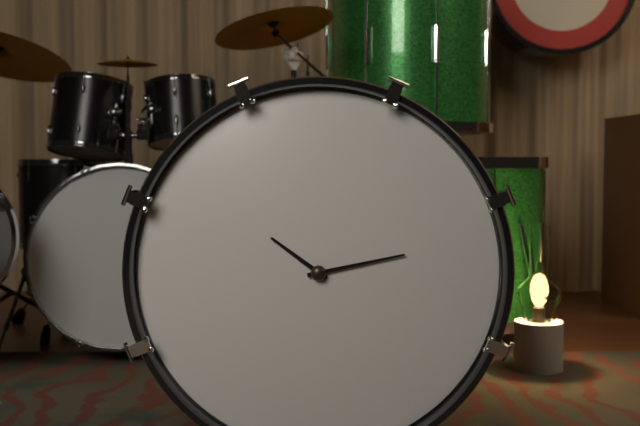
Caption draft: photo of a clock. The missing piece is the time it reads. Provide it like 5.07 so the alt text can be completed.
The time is 10.13
